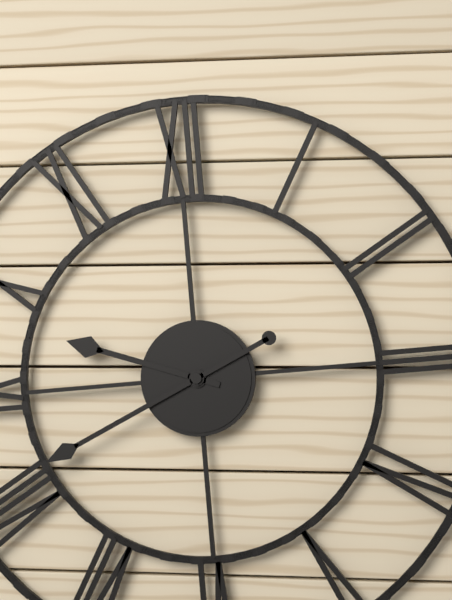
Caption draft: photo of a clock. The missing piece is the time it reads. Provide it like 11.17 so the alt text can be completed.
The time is 9.41
